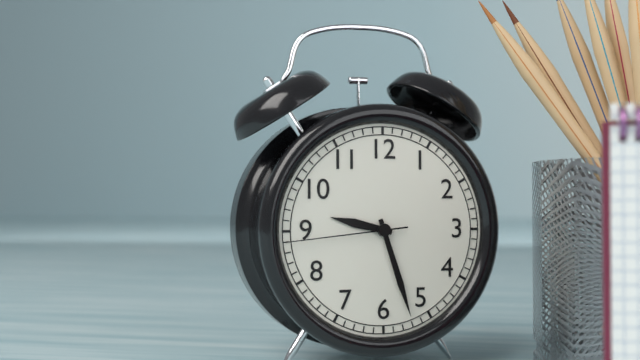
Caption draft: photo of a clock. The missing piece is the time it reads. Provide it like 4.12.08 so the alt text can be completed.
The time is 9.27.44
